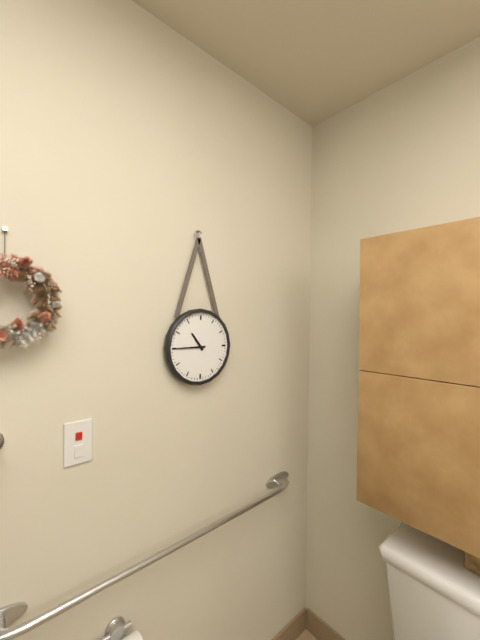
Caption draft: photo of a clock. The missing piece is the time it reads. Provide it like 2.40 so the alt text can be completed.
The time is 10.45
